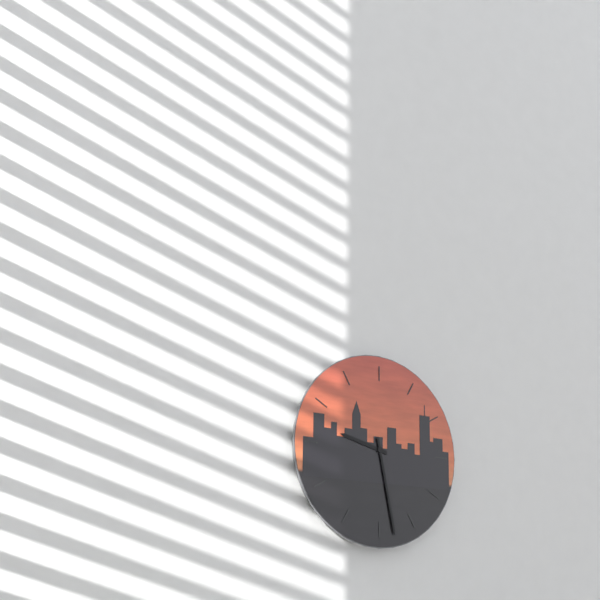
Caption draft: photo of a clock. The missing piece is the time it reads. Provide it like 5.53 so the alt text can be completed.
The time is 9.28
